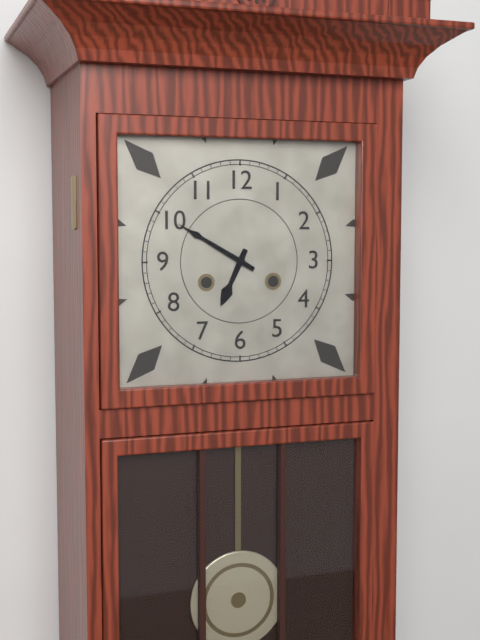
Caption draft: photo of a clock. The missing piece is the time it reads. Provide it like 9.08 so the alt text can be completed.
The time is 6.50
